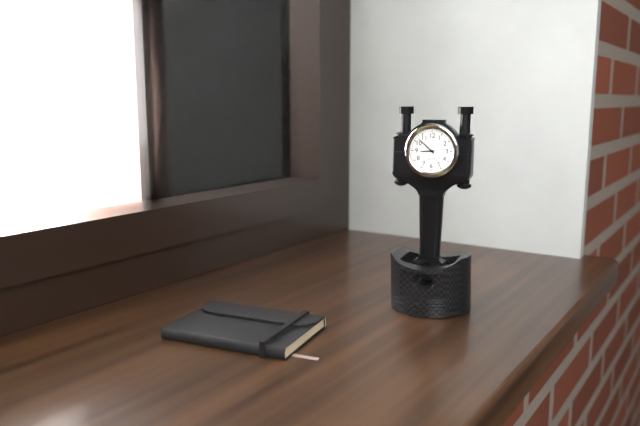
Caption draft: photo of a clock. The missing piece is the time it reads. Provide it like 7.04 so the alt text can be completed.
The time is 8.52
